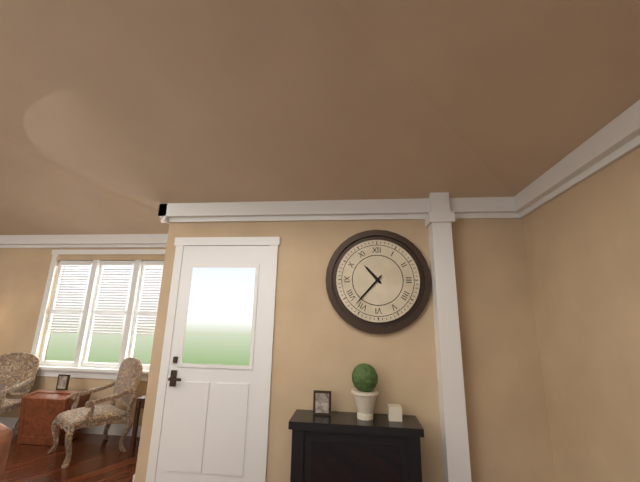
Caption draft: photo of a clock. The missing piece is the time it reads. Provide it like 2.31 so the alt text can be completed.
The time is 10.37
